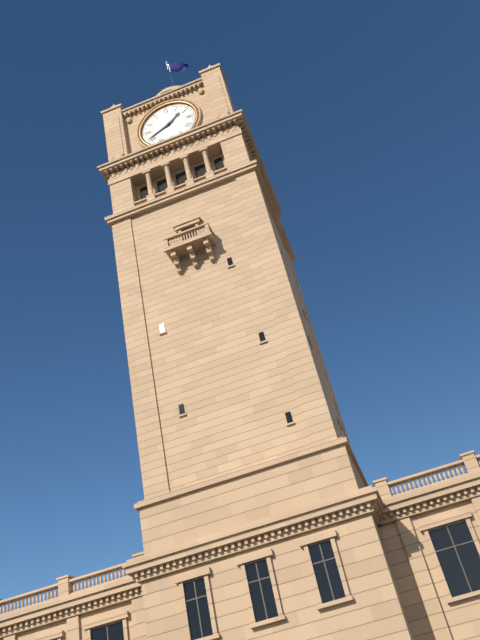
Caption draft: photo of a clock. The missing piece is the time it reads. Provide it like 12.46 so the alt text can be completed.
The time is 1.41
